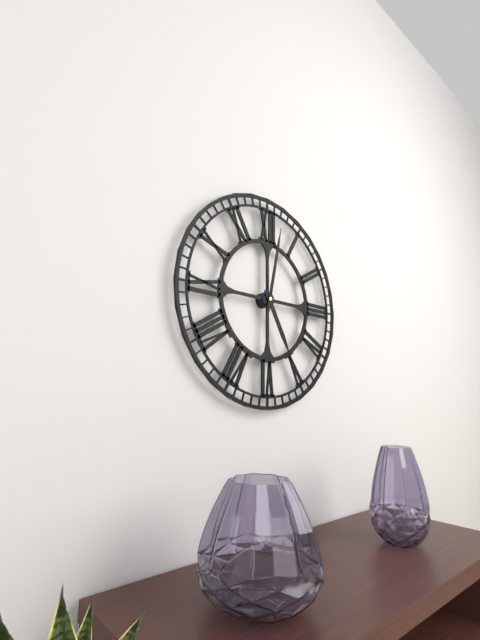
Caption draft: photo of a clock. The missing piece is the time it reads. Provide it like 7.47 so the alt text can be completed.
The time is 5.02
